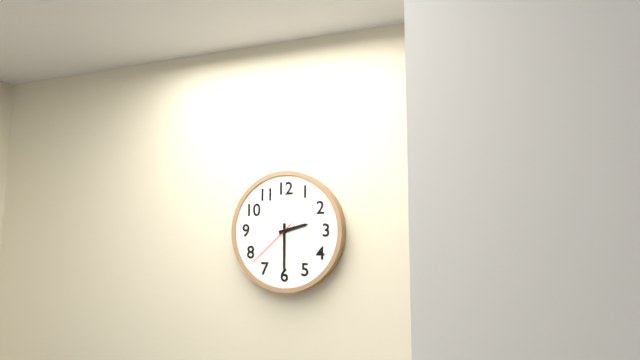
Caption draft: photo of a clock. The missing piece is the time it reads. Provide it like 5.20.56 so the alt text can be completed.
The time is 2.30.38
